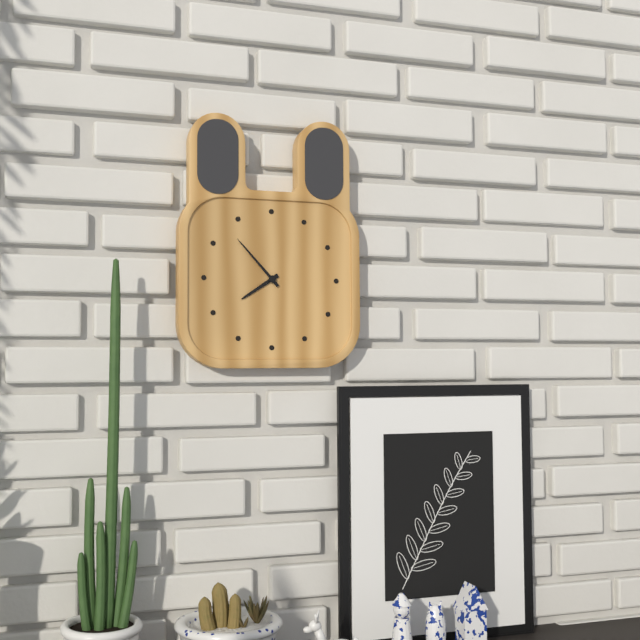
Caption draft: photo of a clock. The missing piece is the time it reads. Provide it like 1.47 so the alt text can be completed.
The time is 7.53
